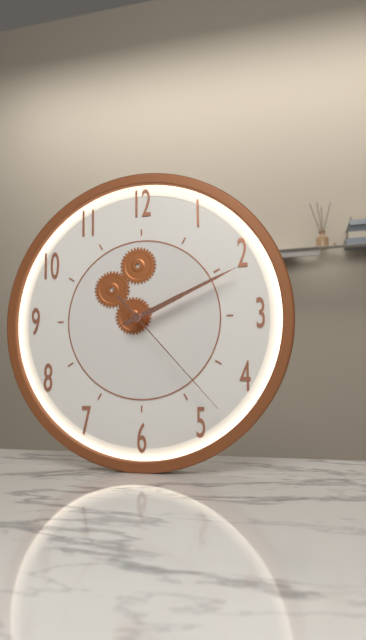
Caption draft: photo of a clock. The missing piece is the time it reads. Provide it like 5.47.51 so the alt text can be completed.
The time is 2.11.23
